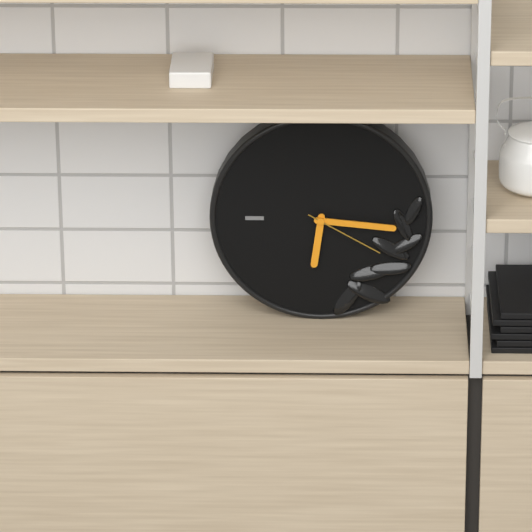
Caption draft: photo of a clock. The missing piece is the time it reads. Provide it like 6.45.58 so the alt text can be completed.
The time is 6.16.20
